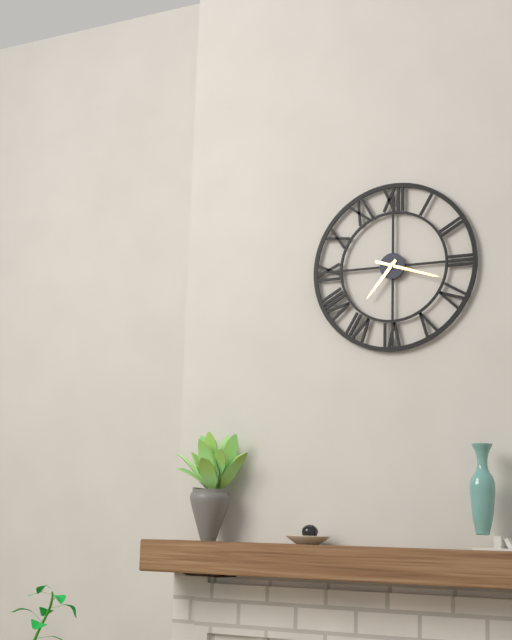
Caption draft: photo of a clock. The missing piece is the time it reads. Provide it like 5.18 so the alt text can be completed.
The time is 7.18
